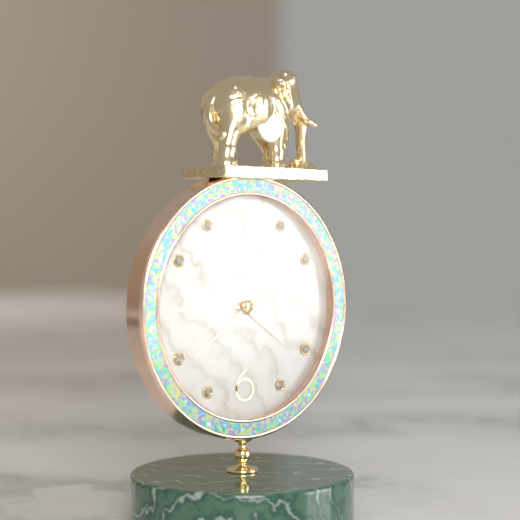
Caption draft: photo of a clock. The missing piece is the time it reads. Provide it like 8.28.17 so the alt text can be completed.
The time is 4.15.39
